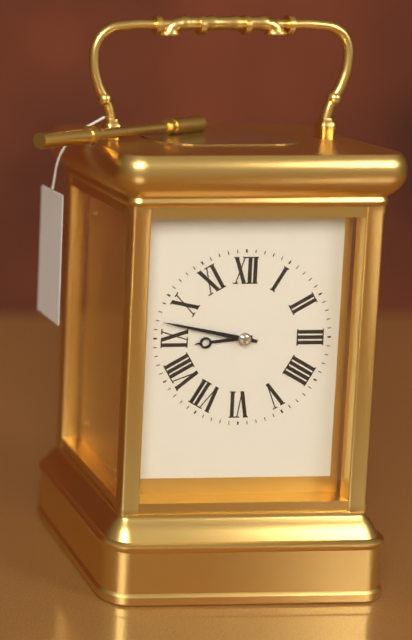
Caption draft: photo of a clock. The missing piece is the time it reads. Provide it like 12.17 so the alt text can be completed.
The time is 8.47
